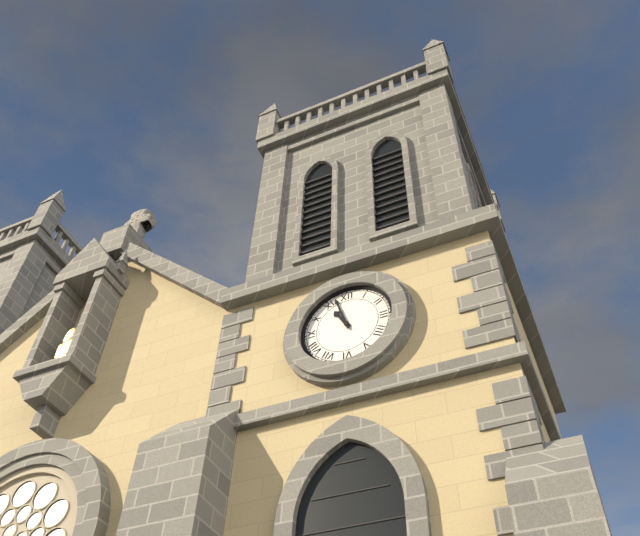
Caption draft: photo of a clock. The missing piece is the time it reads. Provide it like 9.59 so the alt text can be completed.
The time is 10.57
